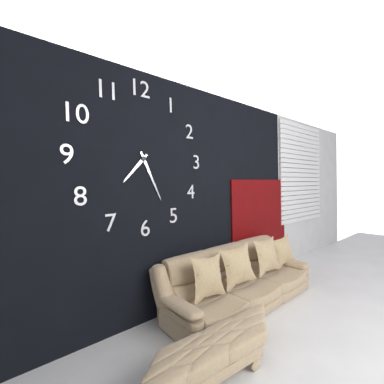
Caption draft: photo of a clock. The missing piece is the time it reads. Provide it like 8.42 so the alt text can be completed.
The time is 7.26
